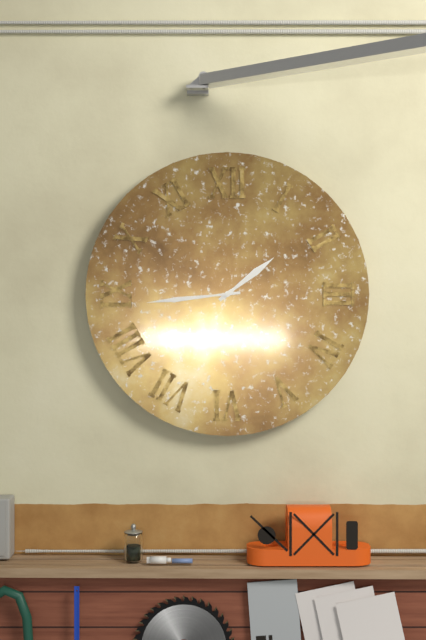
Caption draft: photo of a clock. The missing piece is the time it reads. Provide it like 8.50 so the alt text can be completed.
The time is 1.44
